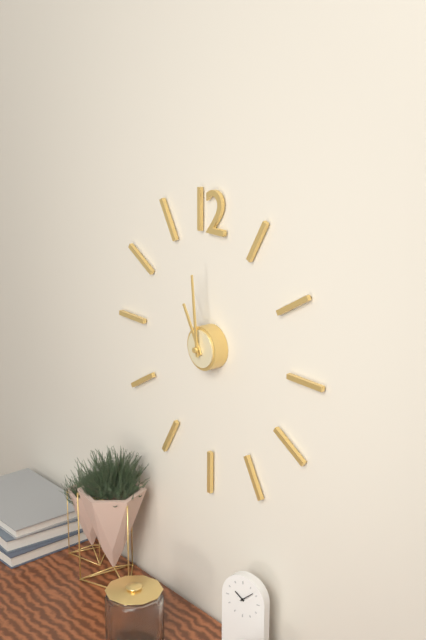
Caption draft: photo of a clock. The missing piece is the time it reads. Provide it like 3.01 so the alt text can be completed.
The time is 10.59
